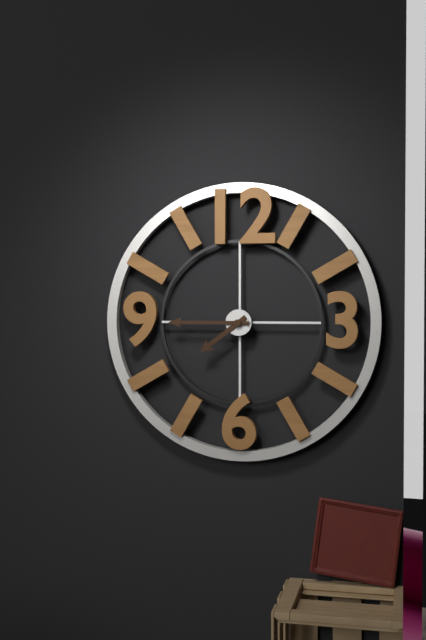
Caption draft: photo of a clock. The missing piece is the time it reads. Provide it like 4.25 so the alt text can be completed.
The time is 7.45
